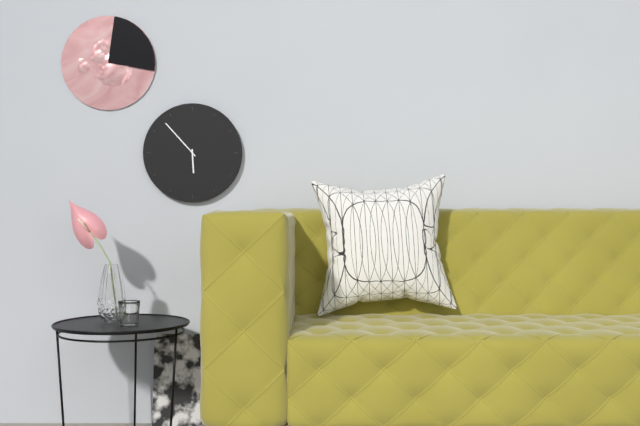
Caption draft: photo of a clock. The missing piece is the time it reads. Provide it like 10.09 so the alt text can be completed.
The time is 5.53
